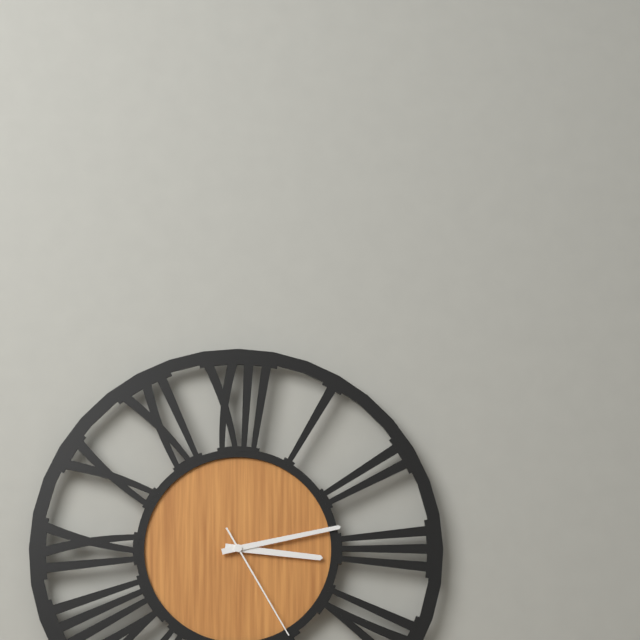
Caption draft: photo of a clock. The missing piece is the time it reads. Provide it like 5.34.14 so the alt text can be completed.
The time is 3.13.25
